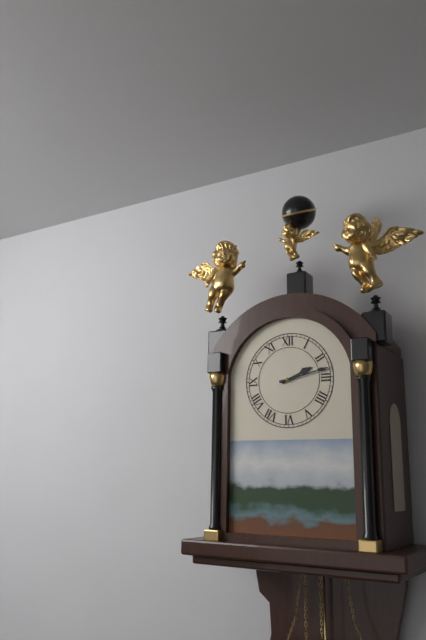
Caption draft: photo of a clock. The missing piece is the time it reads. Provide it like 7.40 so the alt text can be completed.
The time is 2.13
